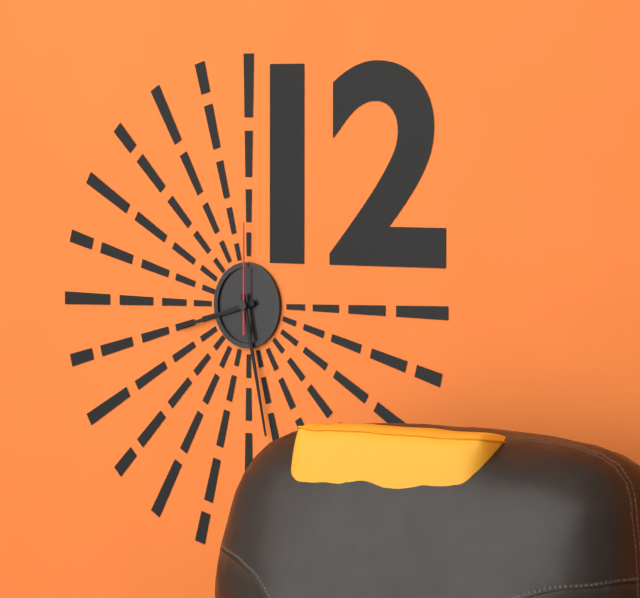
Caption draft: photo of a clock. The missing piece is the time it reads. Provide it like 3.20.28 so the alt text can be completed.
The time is 8.28.00
